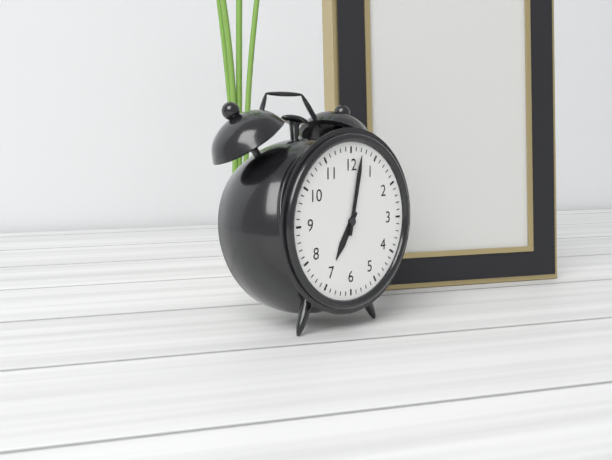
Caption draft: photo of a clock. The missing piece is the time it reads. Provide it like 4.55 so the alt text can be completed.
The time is 7.02
